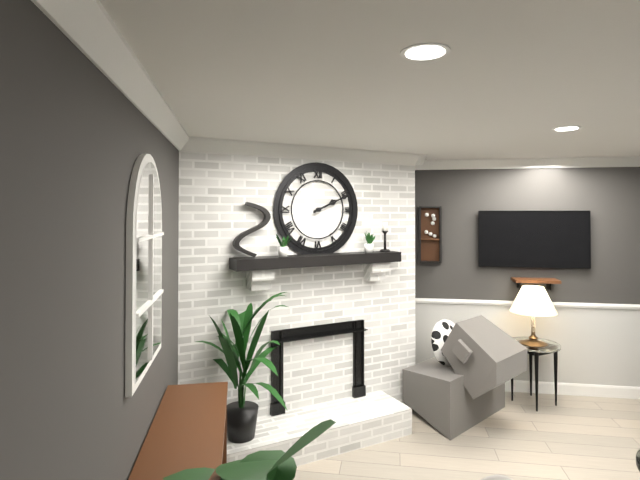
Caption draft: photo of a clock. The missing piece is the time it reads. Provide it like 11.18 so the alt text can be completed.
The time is 2.11
